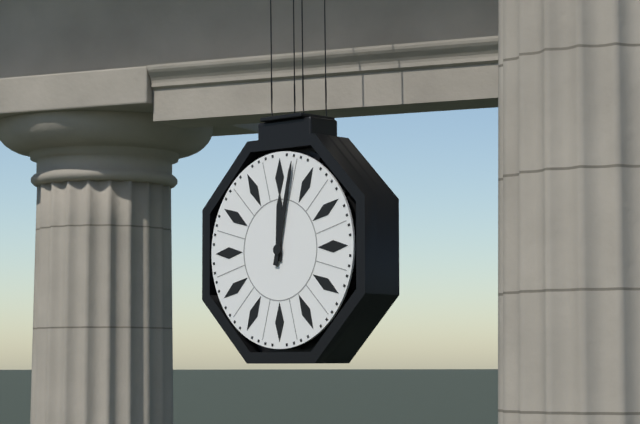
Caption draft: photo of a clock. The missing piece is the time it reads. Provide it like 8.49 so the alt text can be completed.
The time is 12.02
